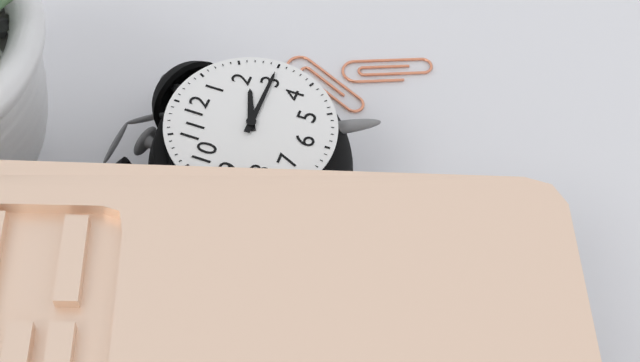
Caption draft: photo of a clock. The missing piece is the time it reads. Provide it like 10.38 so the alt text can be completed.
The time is 2.15
